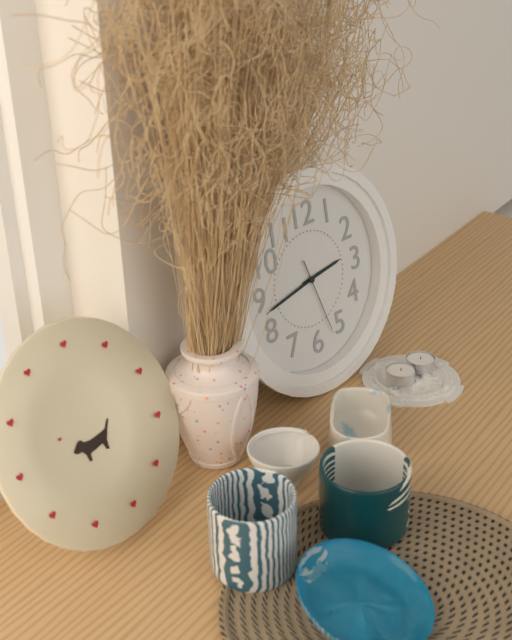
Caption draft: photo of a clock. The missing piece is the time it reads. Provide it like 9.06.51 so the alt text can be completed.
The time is 2.43.27
